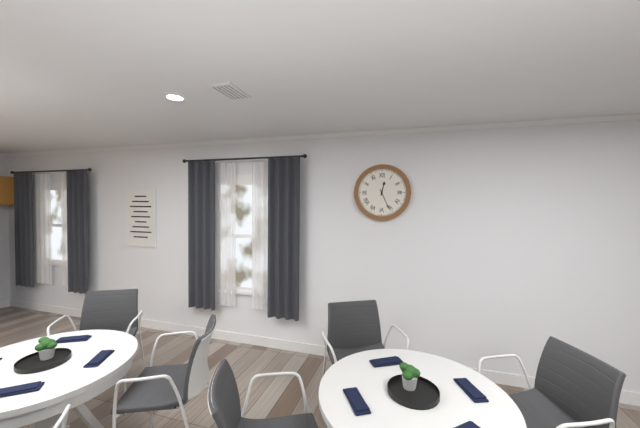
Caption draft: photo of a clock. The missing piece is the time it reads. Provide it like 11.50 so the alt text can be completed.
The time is 12.26
